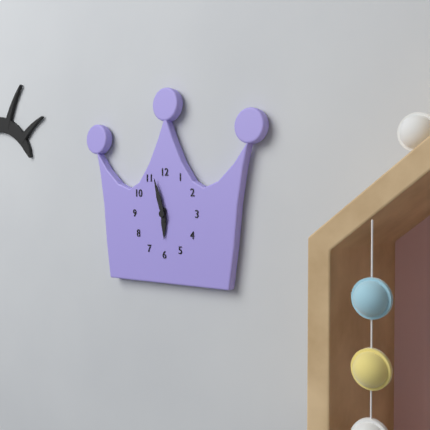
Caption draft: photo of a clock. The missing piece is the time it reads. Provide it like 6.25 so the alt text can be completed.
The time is 5.57
